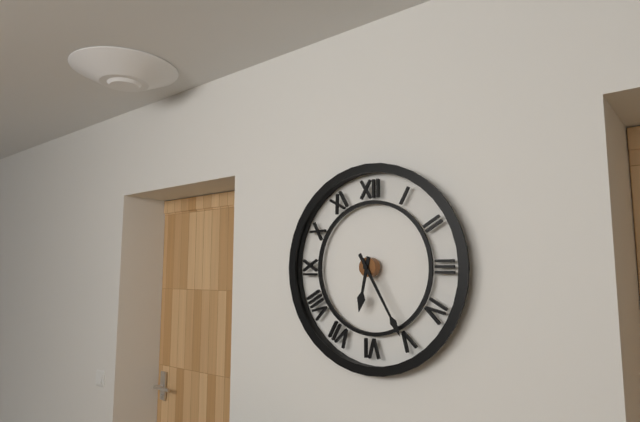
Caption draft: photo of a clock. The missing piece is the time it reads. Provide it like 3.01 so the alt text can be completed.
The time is 6.25
